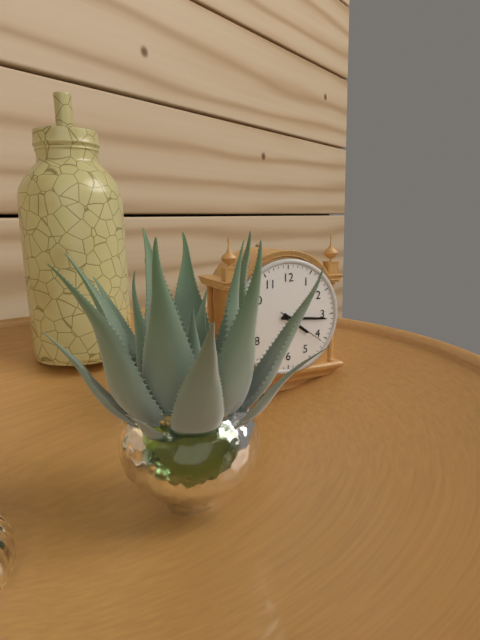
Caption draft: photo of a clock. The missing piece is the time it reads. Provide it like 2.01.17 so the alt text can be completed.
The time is 4.16.21
